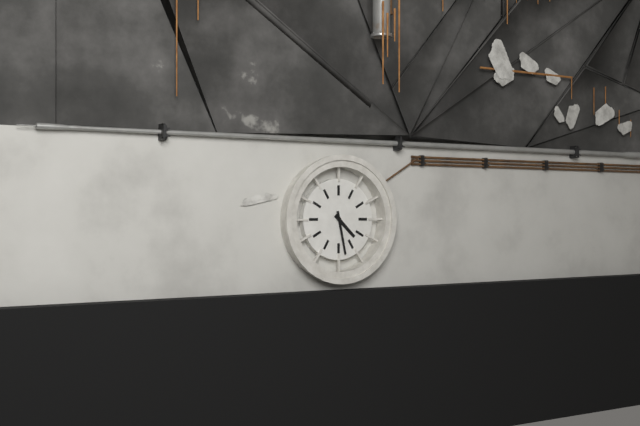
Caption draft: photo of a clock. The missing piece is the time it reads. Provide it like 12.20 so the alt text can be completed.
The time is 4.28
